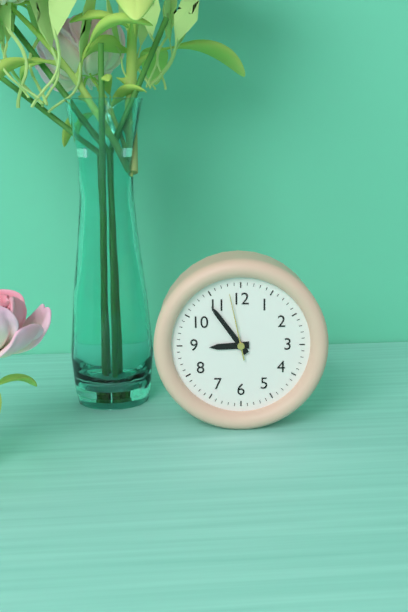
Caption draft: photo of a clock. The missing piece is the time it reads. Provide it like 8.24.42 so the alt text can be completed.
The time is 8.54.58
